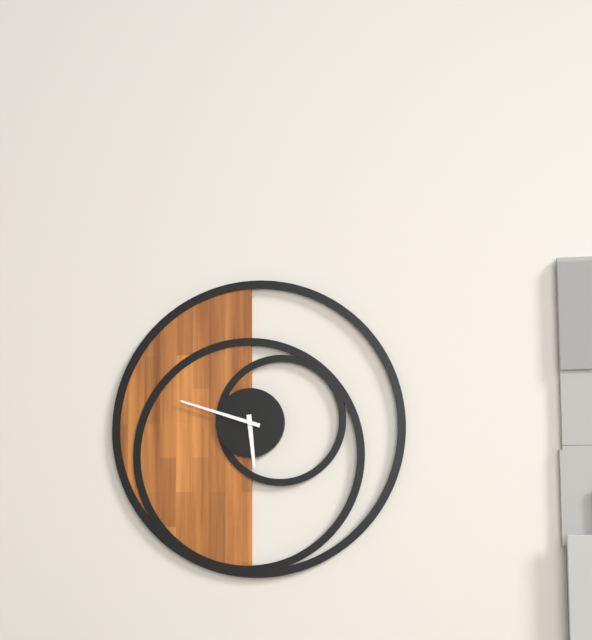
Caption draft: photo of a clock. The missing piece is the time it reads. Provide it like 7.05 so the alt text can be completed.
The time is 5.48
